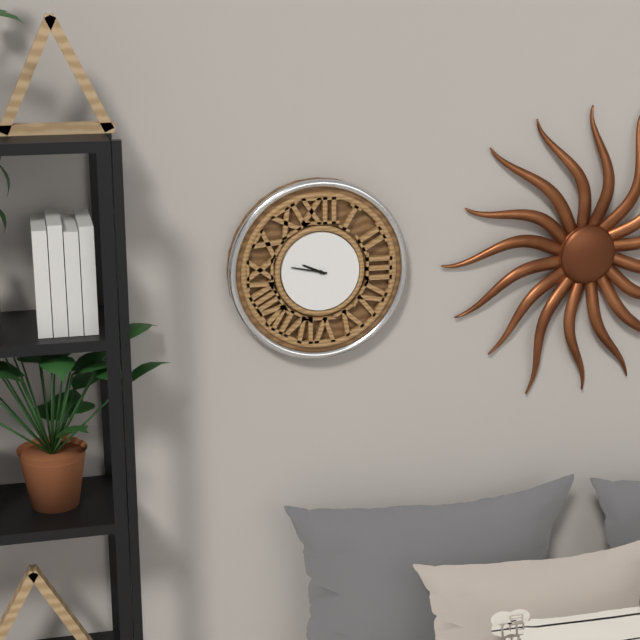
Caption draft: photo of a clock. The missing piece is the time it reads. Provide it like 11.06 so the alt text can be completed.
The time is 9.47
